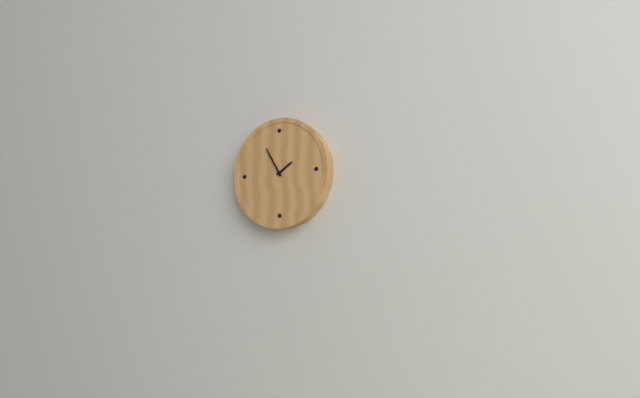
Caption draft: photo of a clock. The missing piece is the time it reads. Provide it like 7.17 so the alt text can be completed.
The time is 1.55
